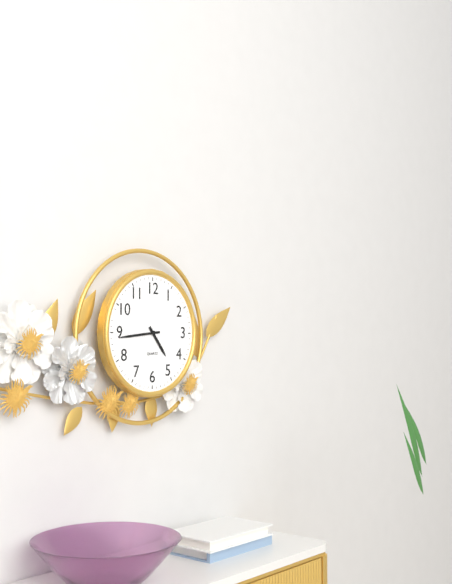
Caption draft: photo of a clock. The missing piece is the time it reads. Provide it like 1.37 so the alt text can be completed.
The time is 4.44
